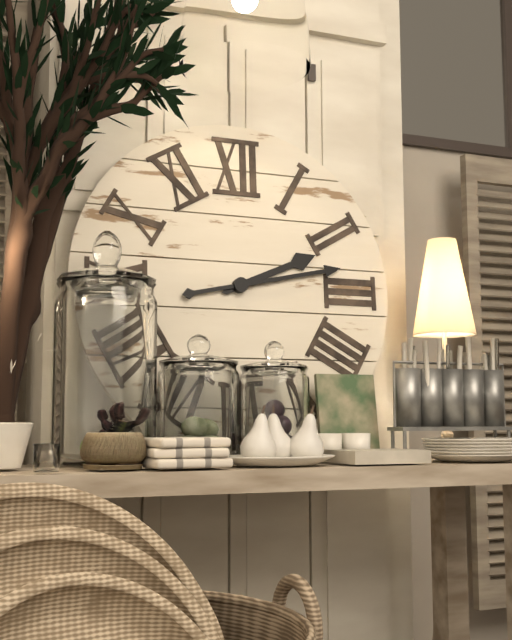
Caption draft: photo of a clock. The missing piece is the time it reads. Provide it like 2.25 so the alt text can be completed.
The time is 2.13
